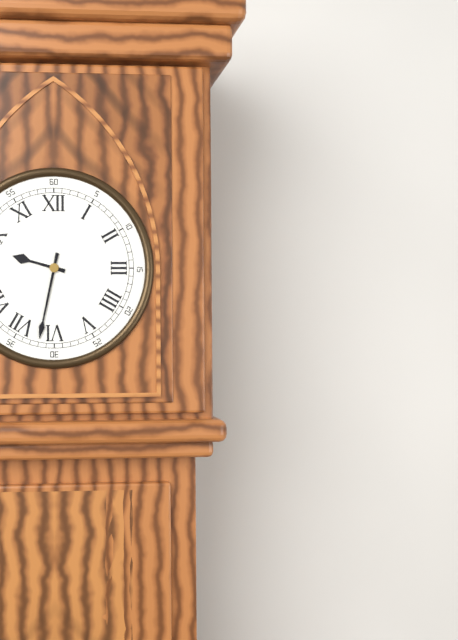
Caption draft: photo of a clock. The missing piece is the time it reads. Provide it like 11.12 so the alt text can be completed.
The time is 9.32
